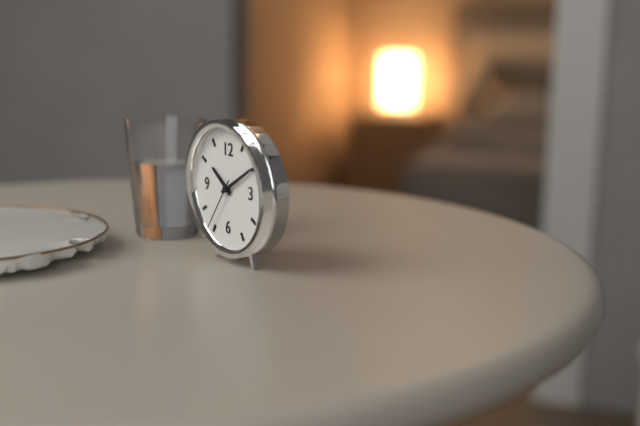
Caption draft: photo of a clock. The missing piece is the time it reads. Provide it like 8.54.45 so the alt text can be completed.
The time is 10.10.36
